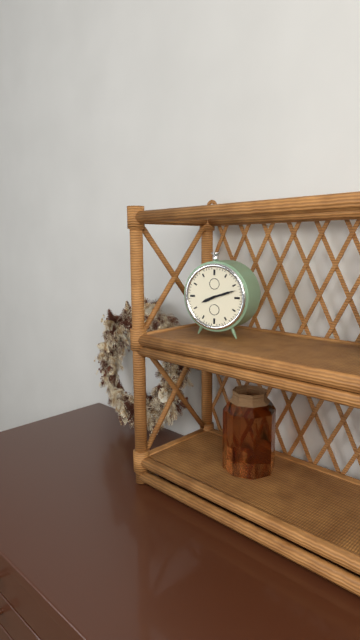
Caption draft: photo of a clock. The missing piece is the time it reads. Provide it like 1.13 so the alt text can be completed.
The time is 8.12
